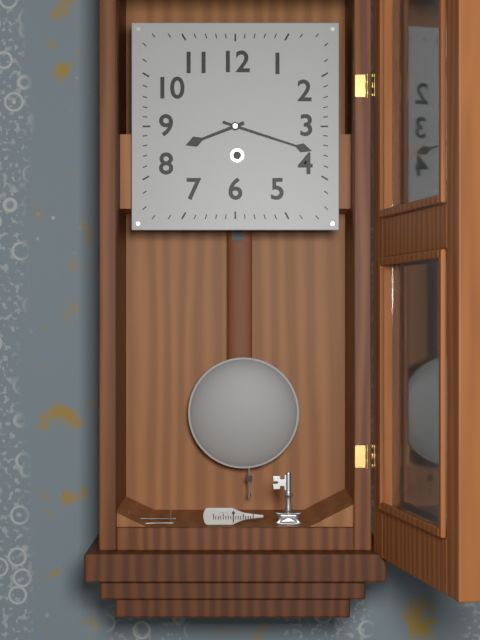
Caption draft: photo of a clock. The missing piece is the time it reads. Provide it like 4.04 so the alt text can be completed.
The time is 8.18
